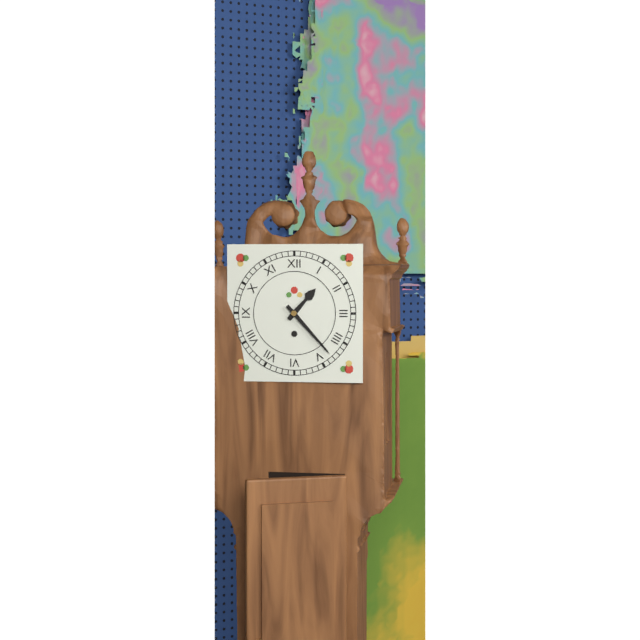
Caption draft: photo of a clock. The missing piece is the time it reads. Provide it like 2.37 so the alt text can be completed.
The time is 1.23
